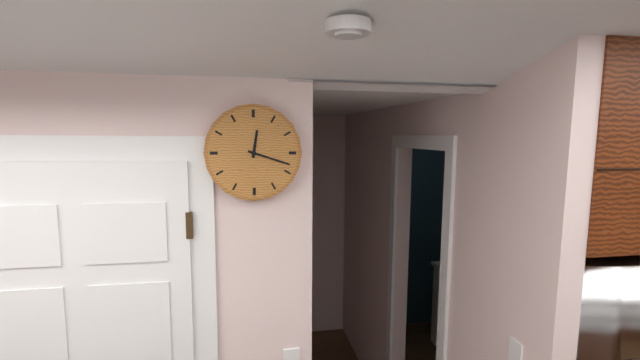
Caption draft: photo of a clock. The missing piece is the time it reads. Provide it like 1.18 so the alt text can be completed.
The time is 12.18
